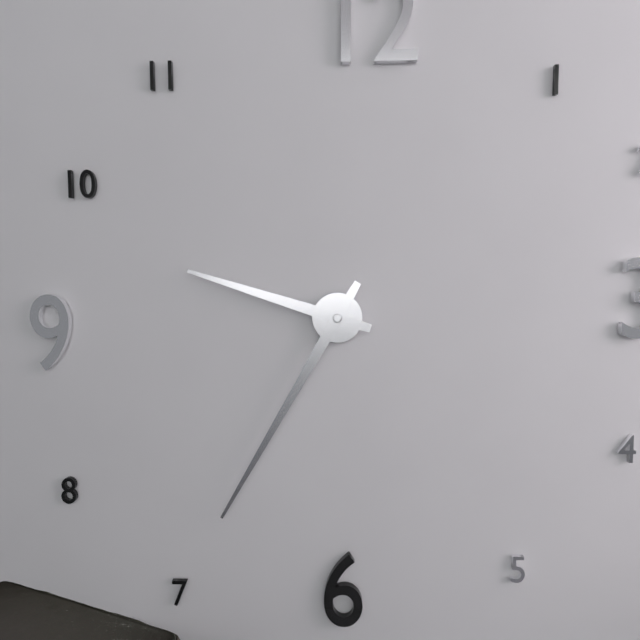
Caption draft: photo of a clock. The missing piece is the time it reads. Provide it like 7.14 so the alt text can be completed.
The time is 9.35
